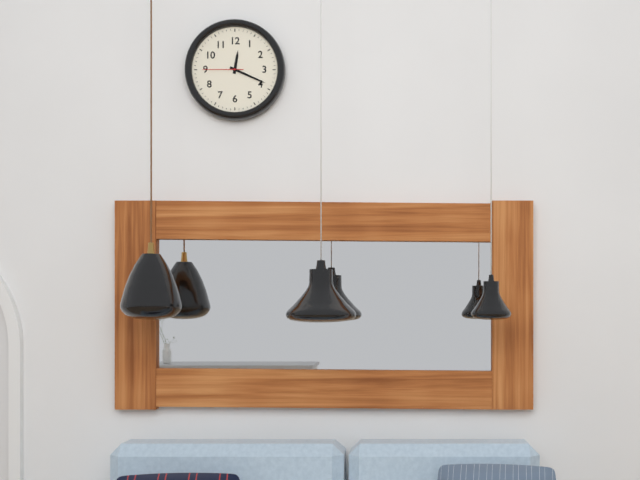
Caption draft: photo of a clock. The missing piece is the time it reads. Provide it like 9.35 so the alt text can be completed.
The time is 12.19
